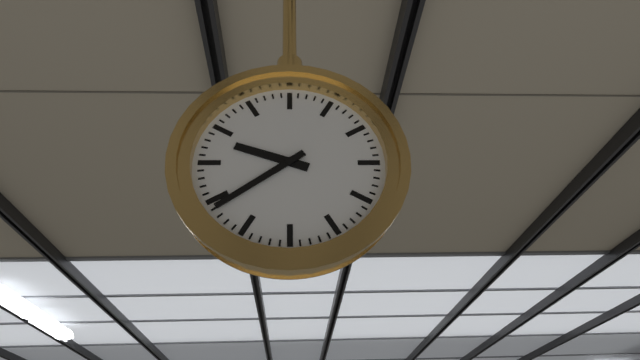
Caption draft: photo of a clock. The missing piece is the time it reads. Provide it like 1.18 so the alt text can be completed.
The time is 9.39
